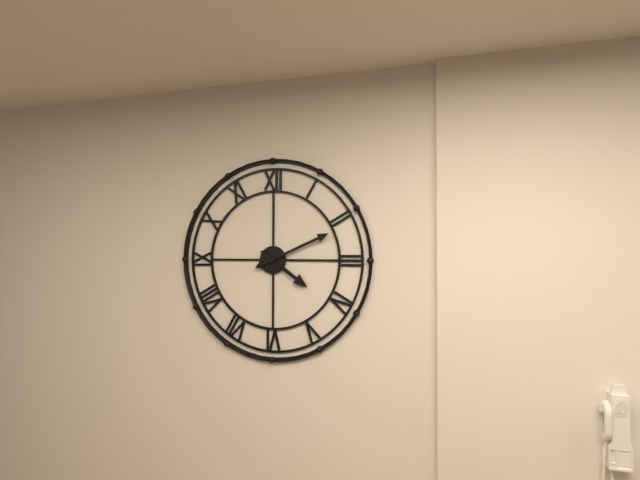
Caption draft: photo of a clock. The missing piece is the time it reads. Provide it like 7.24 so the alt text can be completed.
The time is 4.11
